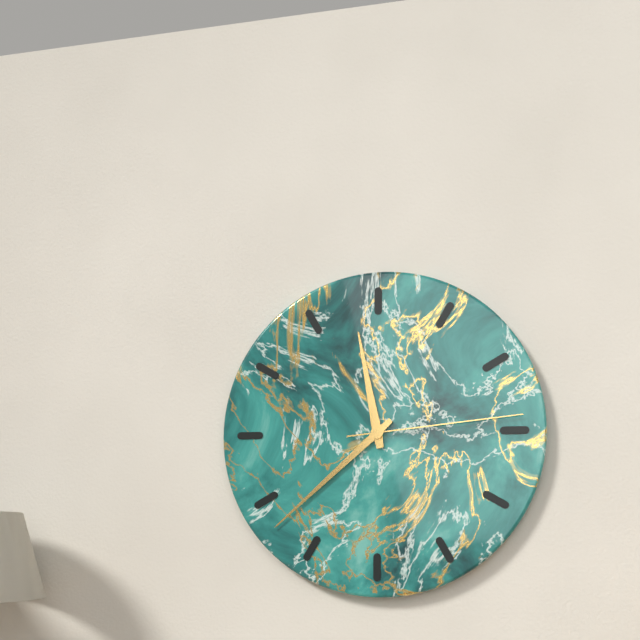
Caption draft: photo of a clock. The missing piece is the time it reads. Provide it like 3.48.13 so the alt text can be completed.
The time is 11.38.14
